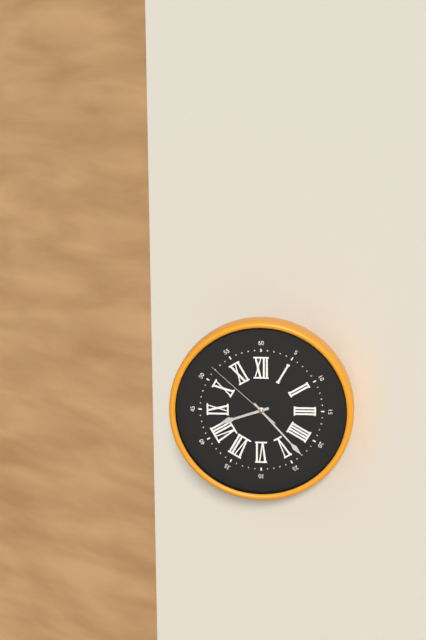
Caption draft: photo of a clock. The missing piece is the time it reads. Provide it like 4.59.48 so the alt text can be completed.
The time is 8.23.52
